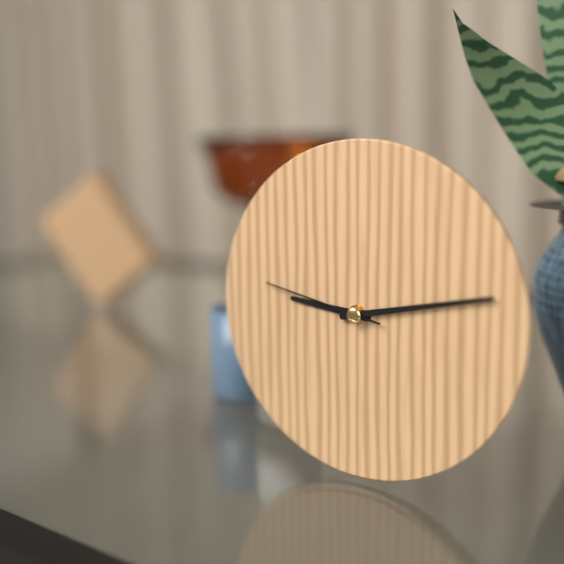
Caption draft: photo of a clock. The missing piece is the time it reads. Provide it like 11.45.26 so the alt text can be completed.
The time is 9.13.47
